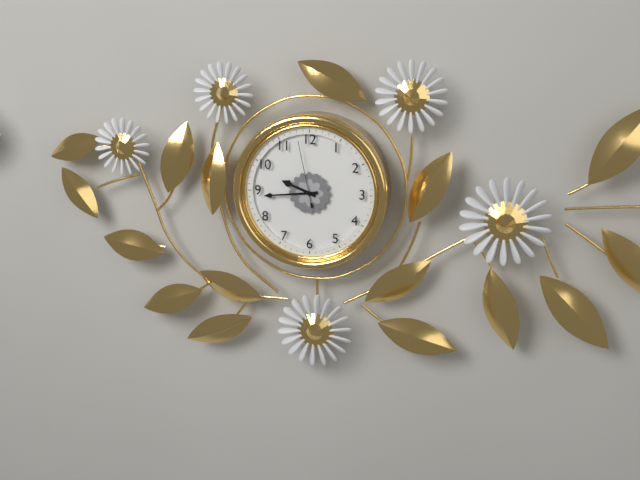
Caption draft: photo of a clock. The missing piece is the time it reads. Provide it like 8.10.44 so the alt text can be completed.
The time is 9.44.58
